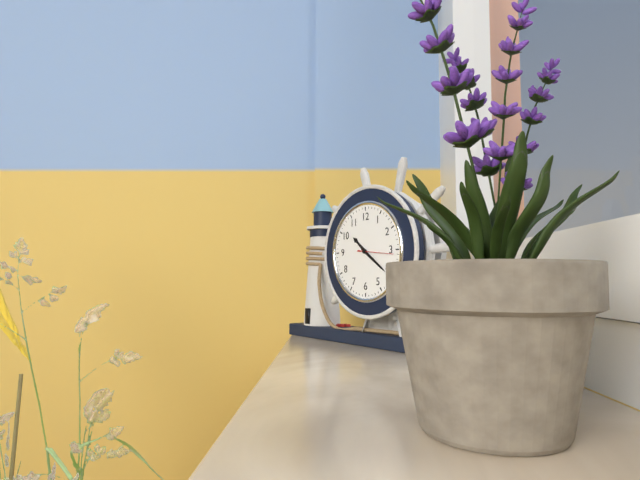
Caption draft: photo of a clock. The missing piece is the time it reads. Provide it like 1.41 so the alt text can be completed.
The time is 10.21
